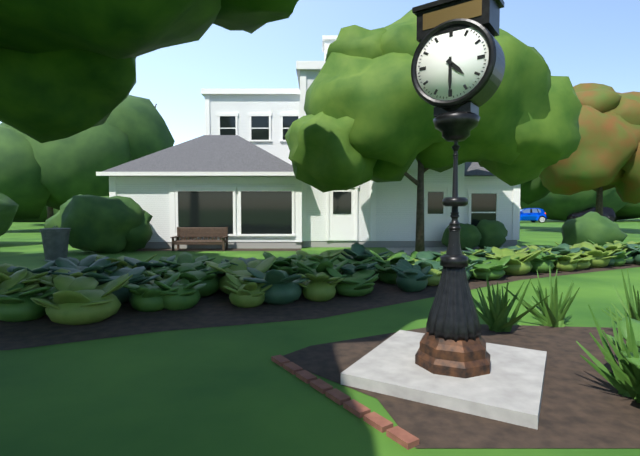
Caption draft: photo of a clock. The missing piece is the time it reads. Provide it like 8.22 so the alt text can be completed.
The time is 4.30
